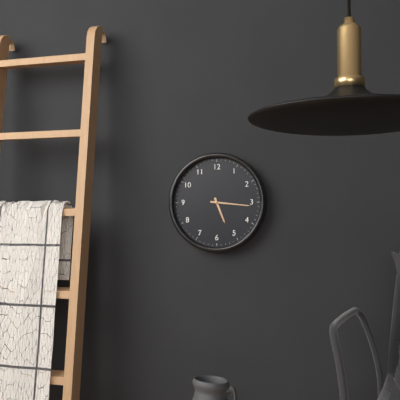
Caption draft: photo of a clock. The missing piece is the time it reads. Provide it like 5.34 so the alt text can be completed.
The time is 5.16
